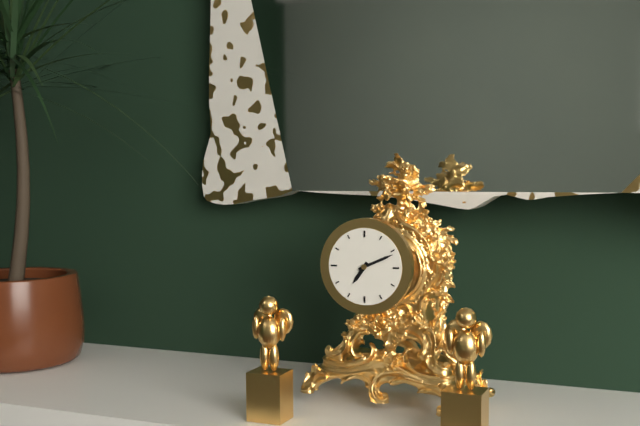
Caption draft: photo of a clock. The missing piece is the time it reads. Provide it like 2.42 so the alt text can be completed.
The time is 7.11
